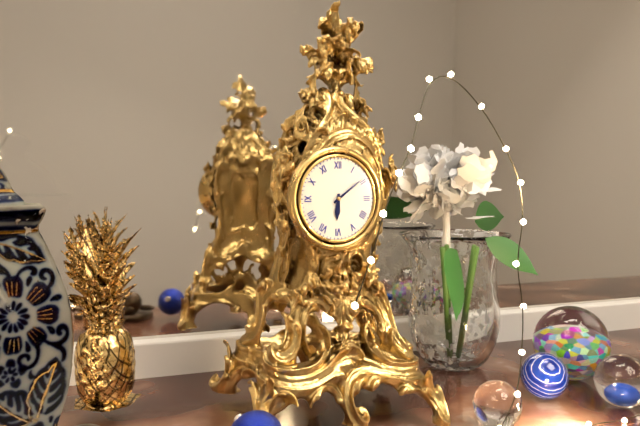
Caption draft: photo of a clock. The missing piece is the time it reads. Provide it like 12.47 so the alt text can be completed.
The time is 6.09
